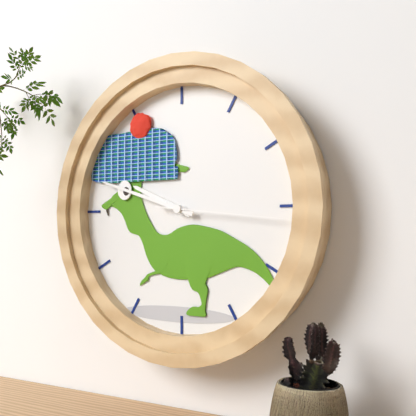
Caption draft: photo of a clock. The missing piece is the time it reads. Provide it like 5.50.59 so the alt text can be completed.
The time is 9.48.16
